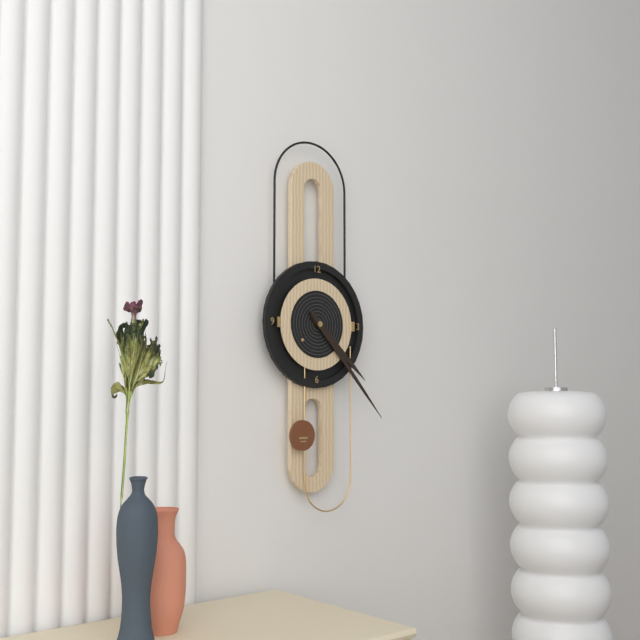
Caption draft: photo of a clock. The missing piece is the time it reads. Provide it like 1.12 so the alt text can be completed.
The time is 4.23
